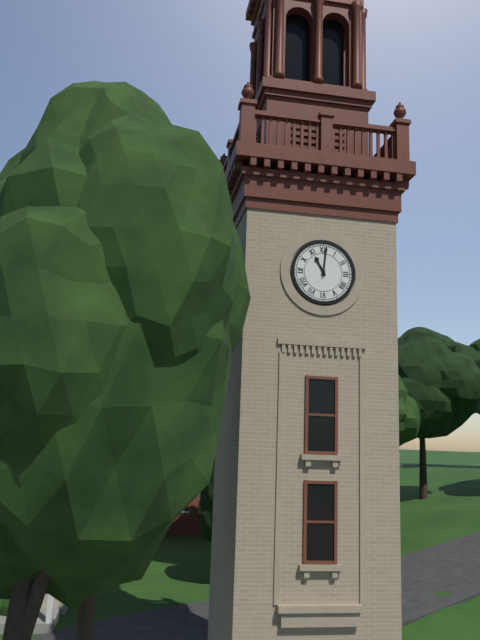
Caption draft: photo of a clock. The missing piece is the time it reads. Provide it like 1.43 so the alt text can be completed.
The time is 11.01
